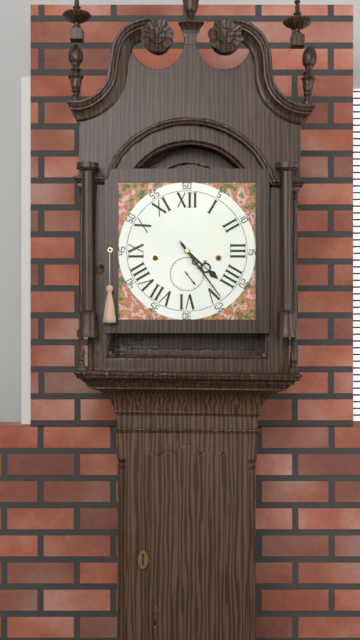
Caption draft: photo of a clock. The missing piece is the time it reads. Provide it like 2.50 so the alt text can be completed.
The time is 4.24
